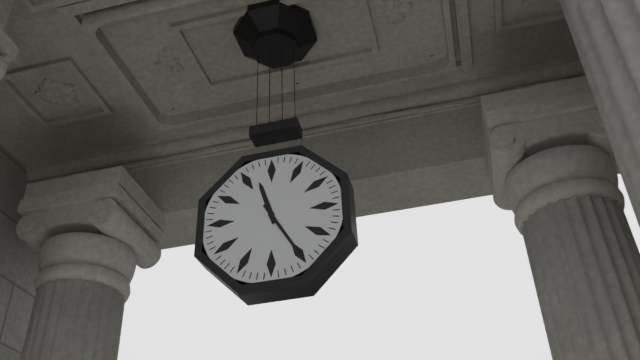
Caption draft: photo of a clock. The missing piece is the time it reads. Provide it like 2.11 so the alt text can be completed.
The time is 11.25
